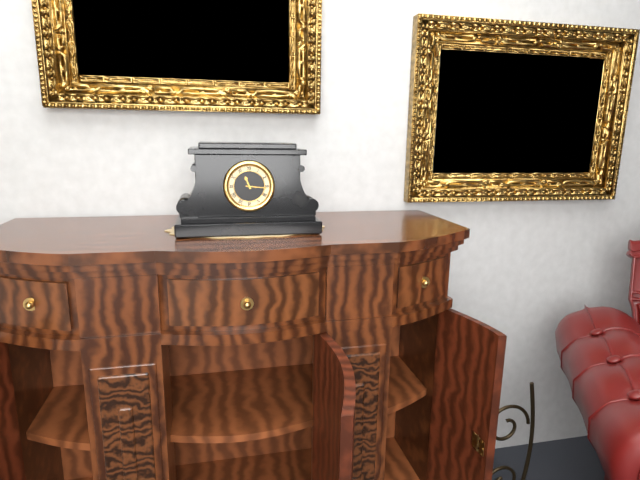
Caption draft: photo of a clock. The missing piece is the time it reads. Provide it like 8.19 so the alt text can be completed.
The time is 11.16
